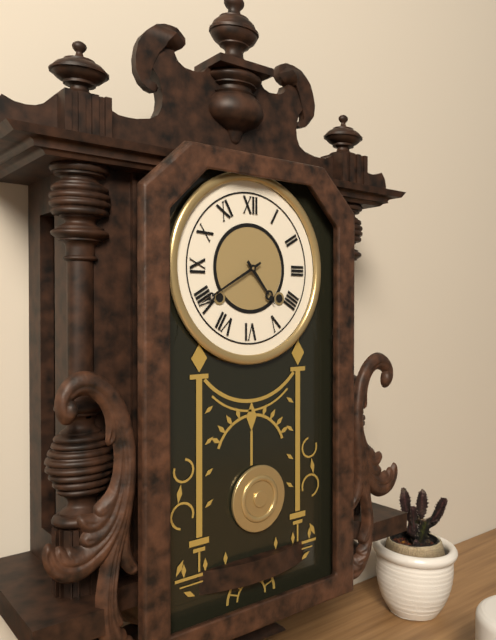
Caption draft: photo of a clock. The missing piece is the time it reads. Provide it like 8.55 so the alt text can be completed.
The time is 4.40
